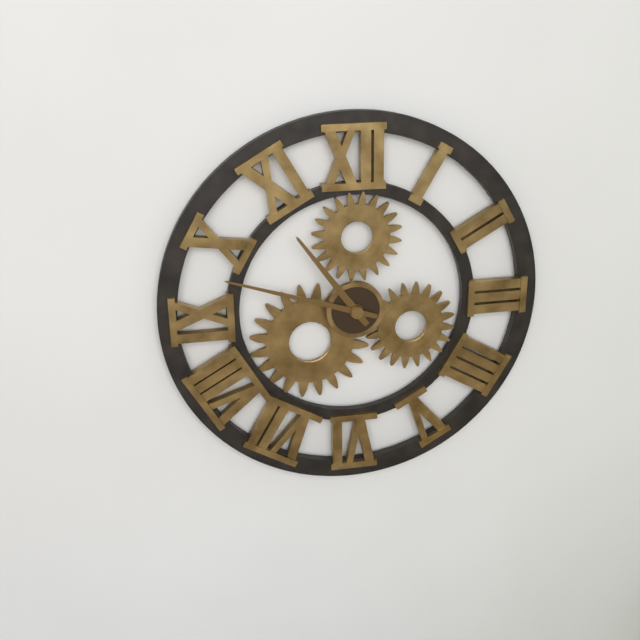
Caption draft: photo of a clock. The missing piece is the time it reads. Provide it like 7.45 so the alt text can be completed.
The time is 10.48
